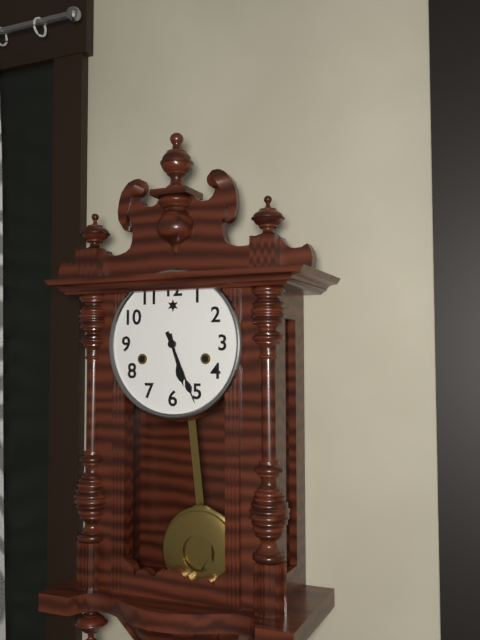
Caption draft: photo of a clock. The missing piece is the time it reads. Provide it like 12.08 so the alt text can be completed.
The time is 5.26
